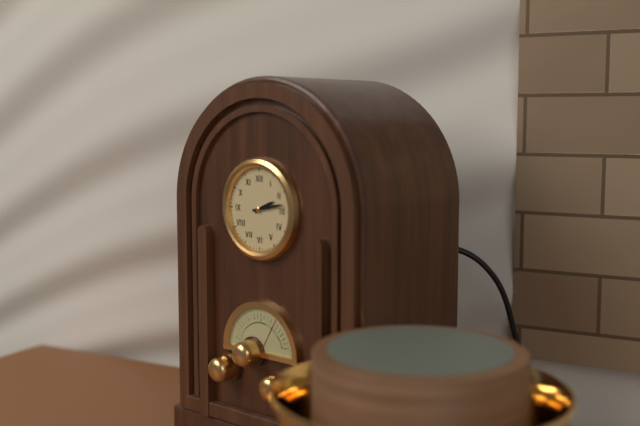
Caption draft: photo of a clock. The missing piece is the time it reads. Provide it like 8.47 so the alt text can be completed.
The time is 2.13
